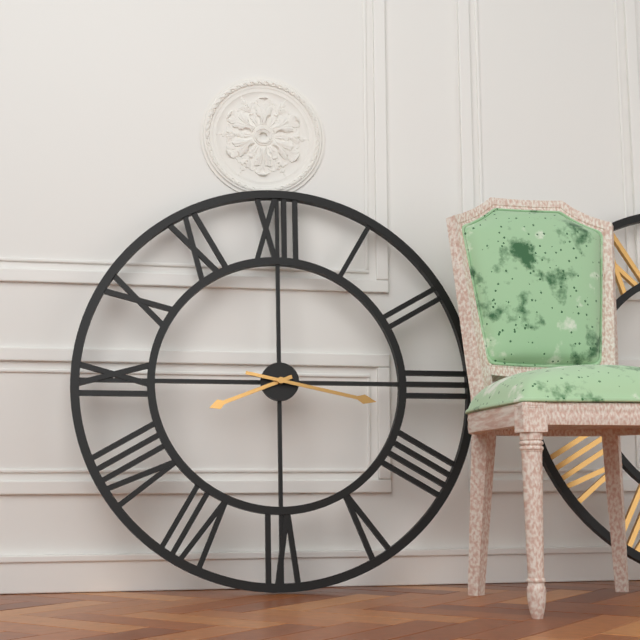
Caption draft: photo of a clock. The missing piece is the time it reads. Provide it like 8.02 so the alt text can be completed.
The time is 8.17
